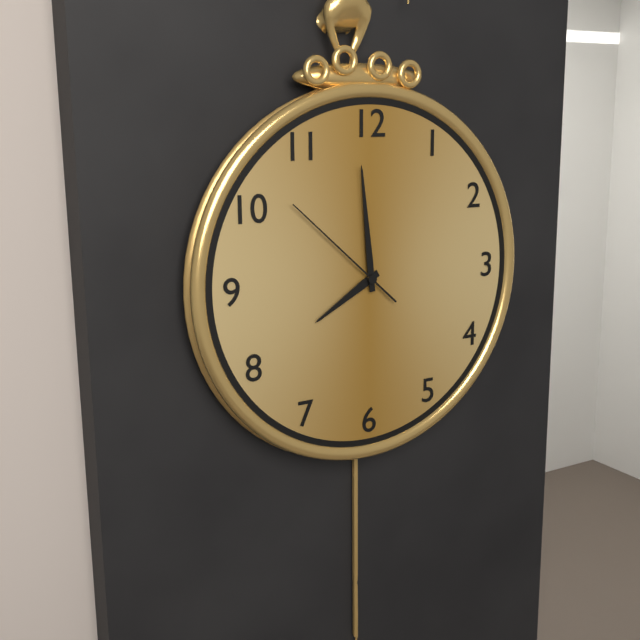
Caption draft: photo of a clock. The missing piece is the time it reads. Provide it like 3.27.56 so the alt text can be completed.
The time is 7.59.52
